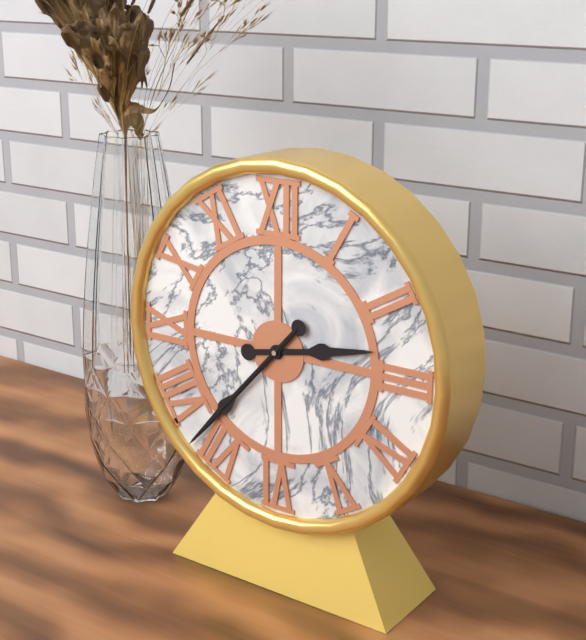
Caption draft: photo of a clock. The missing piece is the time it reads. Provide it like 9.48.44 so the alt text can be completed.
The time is 2.37.37
